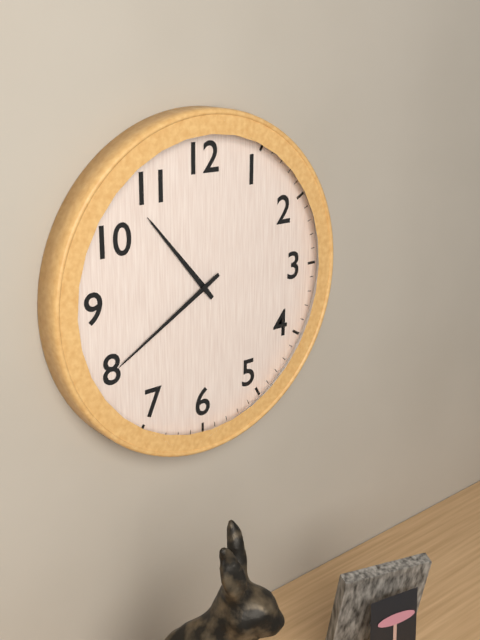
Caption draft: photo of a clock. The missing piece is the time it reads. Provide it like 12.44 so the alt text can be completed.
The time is 10.40
